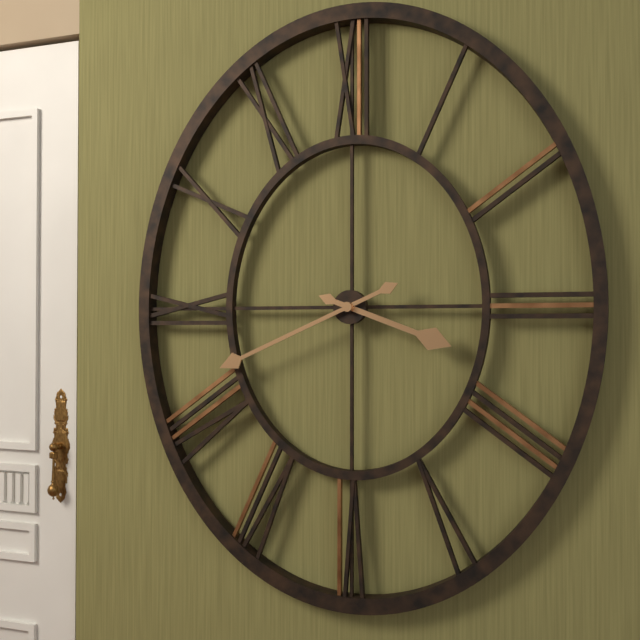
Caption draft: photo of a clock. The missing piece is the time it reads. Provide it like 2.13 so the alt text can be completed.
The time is 3.41
